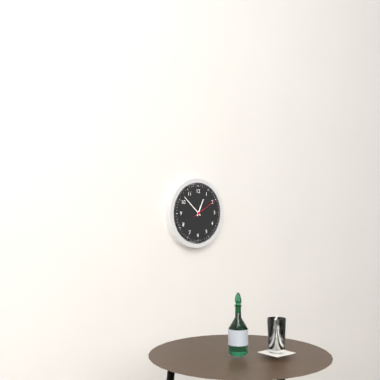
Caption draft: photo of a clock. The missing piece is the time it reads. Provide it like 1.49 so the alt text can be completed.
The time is 12.52
